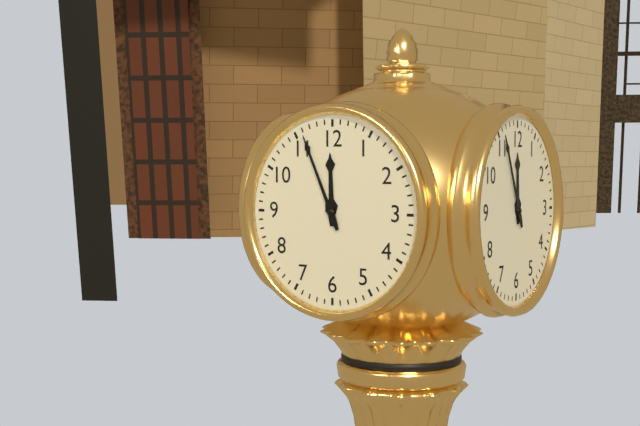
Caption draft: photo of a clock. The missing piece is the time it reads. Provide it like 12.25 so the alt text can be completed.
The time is 11.56
